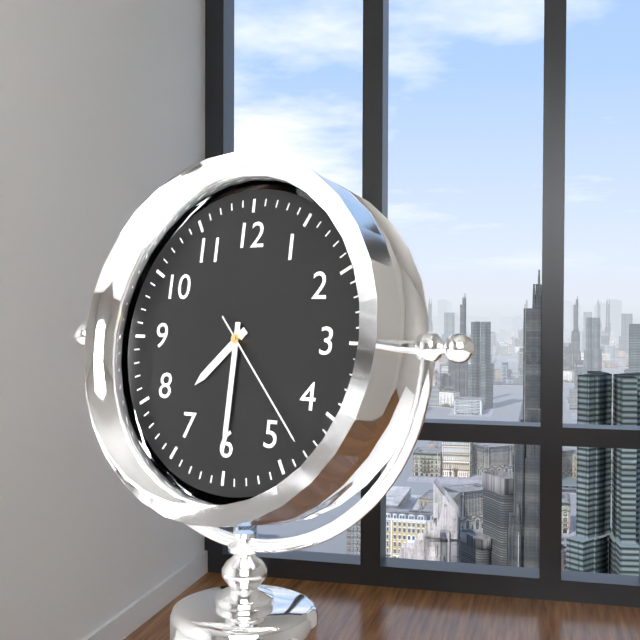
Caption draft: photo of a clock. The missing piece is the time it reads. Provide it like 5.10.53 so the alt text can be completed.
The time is 7.30.23
